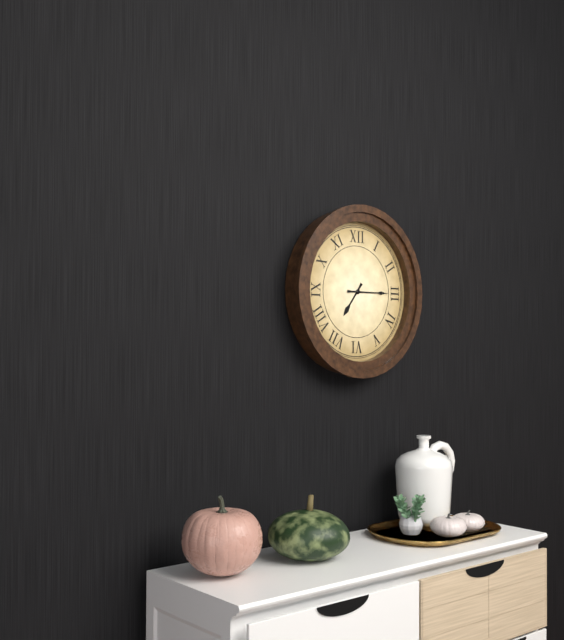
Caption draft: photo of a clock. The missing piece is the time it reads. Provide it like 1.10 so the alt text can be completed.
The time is 7.15
